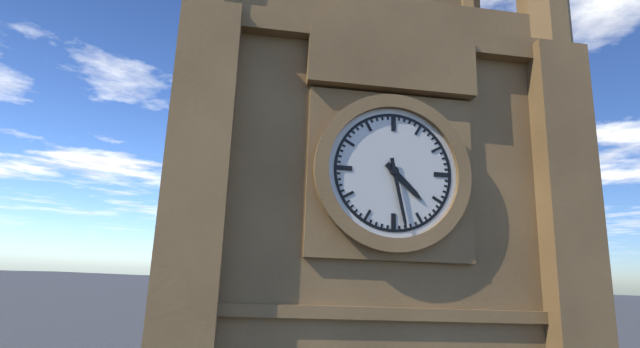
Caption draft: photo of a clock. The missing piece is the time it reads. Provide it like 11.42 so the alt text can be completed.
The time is 4.28
